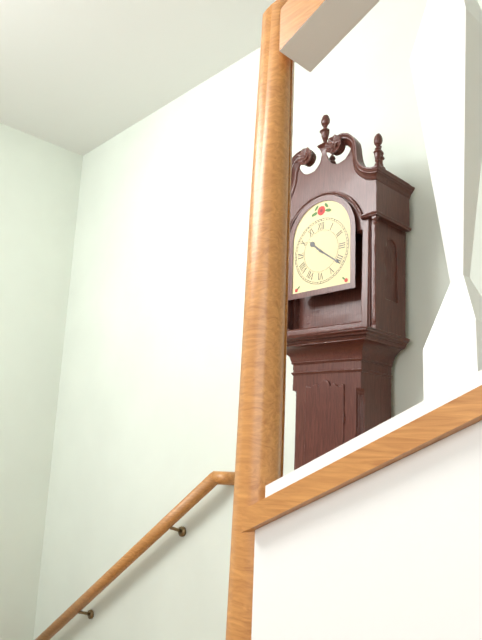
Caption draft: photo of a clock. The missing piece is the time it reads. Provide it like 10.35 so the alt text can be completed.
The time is 10.21
